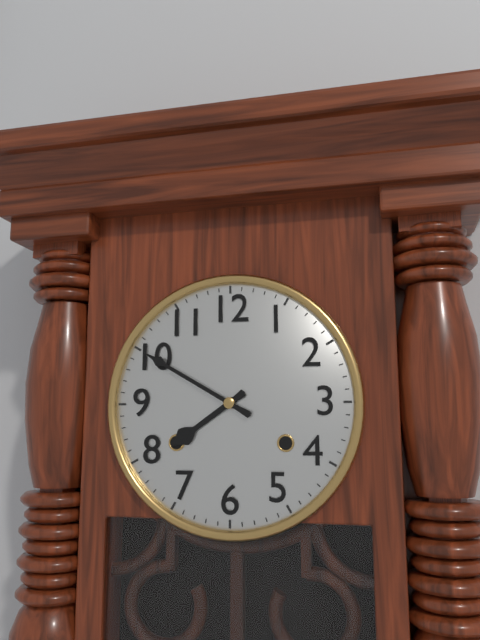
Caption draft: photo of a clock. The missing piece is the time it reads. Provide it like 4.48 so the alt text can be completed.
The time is 7.50
